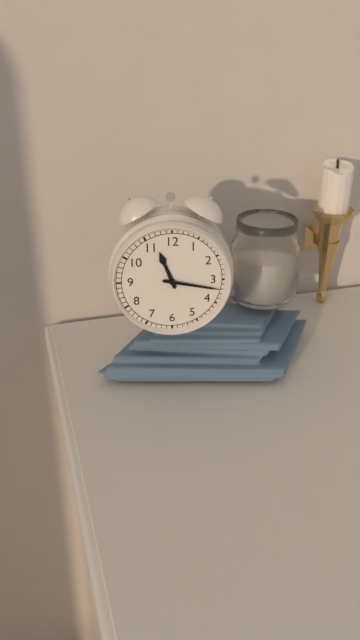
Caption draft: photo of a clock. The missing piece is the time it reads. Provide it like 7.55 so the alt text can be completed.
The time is 11.17
